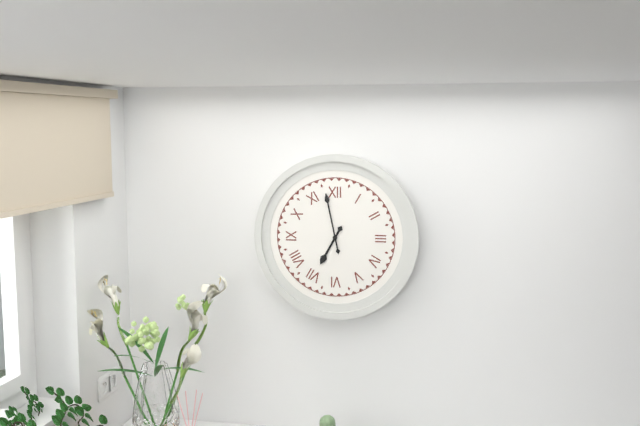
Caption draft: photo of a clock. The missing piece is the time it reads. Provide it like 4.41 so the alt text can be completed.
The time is 6.58
